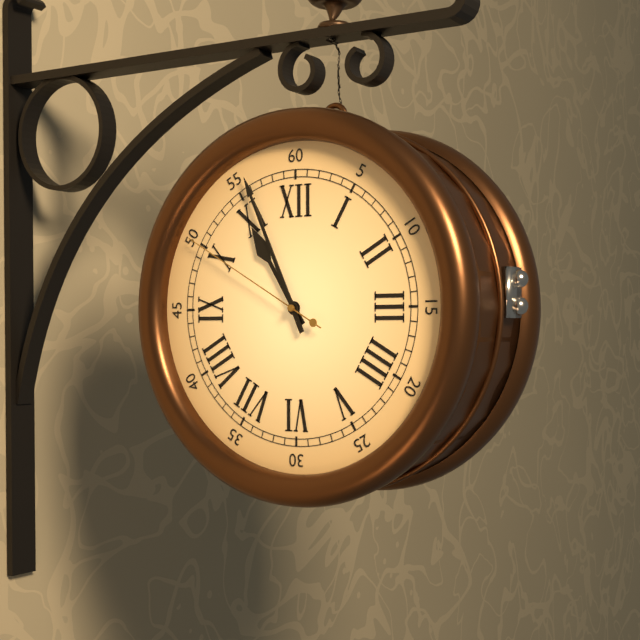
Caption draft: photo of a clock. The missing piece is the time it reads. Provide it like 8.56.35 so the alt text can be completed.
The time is 10.56.50
